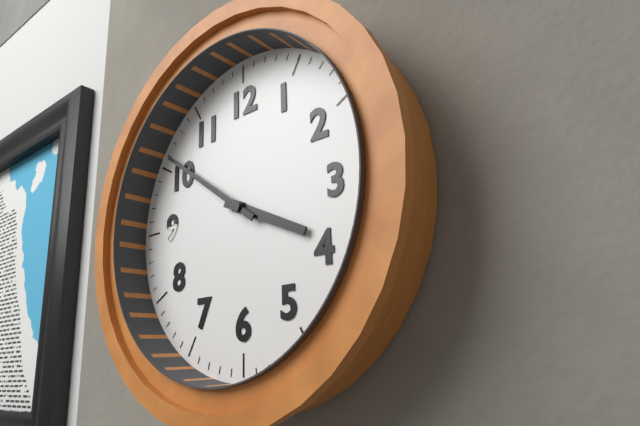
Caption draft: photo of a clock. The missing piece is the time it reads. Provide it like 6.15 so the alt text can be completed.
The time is 3.51
